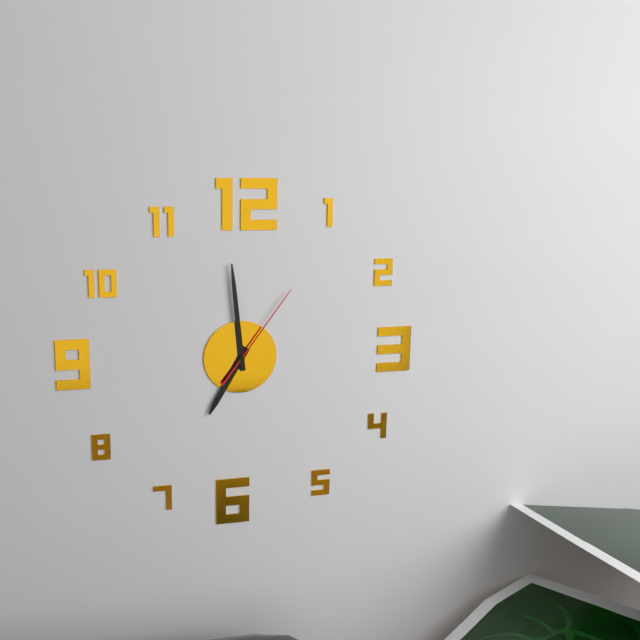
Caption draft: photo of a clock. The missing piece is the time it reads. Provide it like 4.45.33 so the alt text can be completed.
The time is 6.59.06
